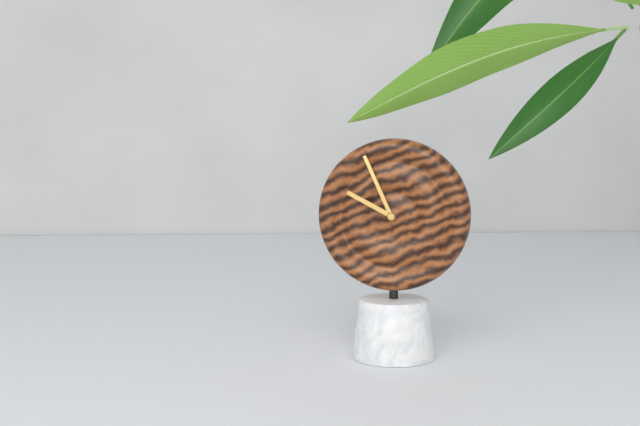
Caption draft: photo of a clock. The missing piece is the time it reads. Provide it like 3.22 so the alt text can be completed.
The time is 9.56
